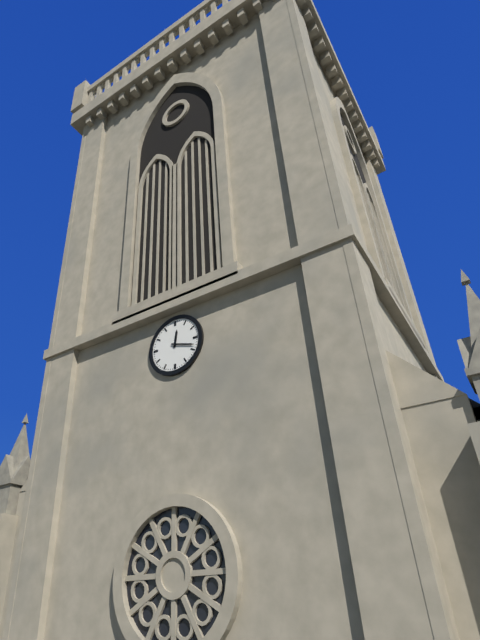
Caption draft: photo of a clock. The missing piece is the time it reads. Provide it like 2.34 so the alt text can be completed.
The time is 12.18
